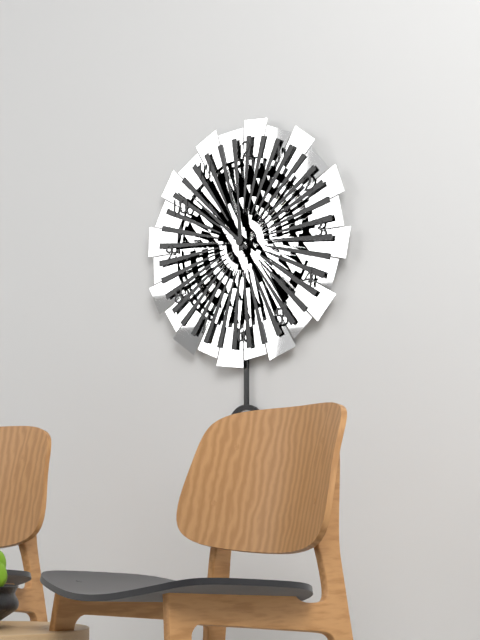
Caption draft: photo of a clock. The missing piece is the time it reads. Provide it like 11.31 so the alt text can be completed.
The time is 11.52
